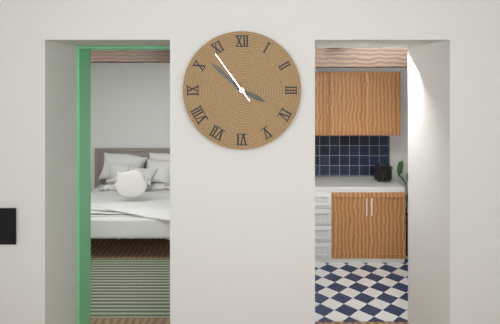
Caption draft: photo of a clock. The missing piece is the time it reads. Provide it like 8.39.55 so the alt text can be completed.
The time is 3.52.54
